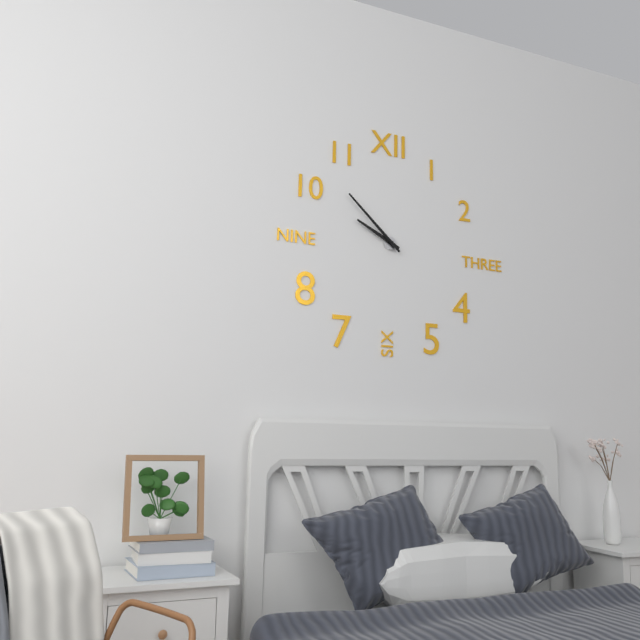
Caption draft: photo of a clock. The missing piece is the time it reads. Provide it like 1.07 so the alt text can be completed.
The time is 9.52
